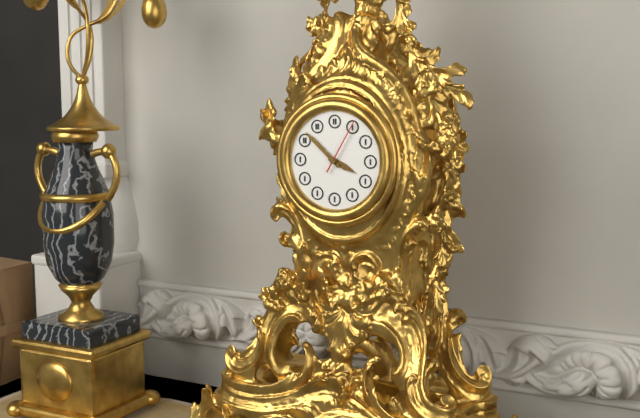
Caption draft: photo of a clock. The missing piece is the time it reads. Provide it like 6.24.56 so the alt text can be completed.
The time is 3.52.05
